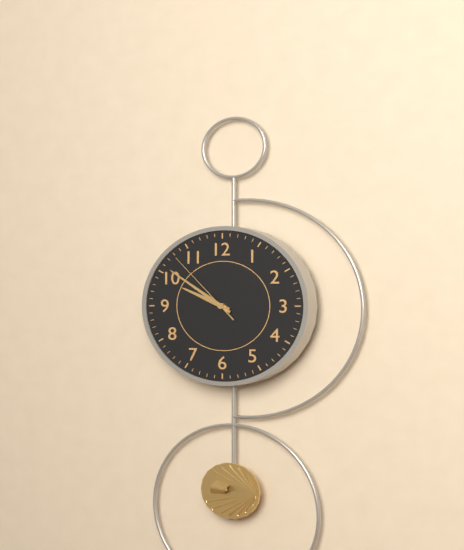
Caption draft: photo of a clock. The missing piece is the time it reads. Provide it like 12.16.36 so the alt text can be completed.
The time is 9.51.53
